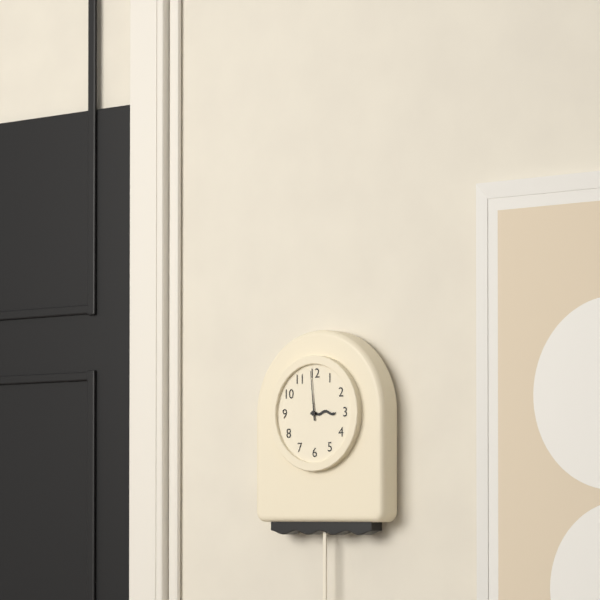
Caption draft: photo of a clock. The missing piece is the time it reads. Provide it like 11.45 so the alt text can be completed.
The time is 2.59
